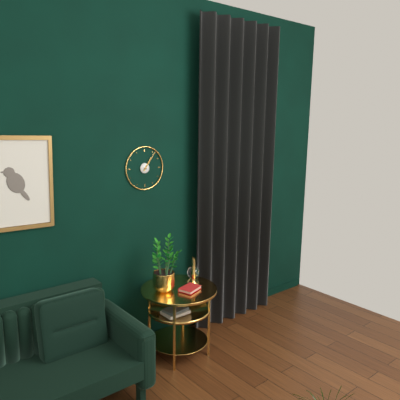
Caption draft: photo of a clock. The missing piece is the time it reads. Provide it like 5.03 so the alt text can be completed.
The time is 1.06
